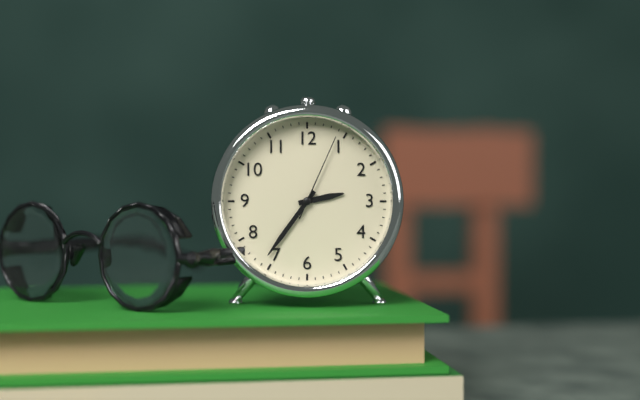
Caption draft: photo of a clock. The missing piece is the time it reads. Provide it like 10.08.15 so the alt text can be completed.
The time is 2.36.04
